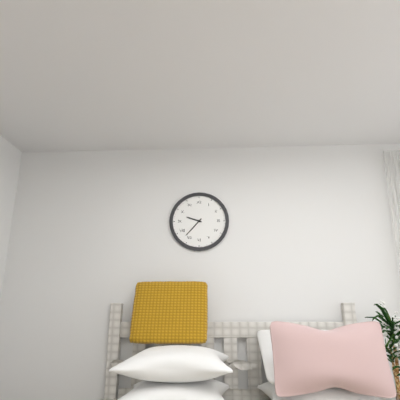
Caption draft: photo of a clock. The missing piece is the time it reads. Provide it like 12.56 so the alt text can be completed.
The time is 9.37
